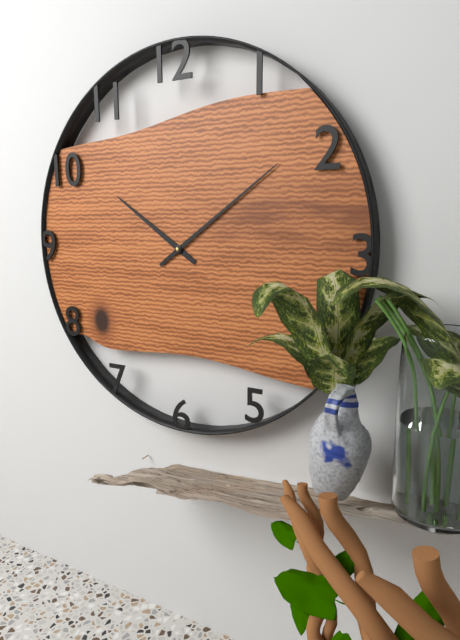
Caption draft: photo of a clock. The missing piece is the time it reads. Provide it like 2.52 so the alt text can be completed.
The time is 10.09
